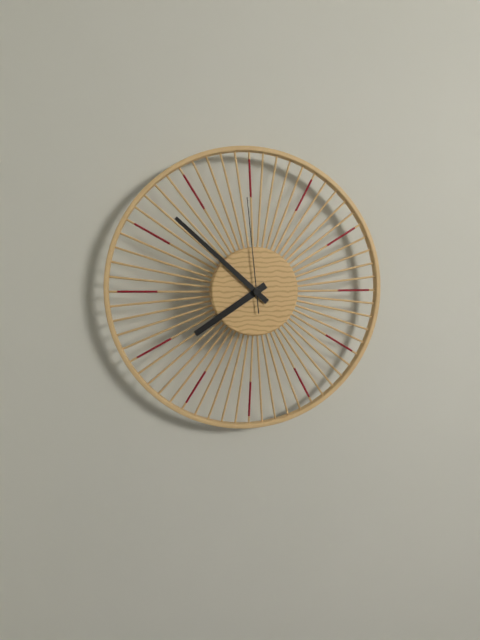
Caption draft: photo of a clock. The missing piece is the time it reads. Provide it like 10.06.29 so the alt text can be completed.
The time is 7.52.59
